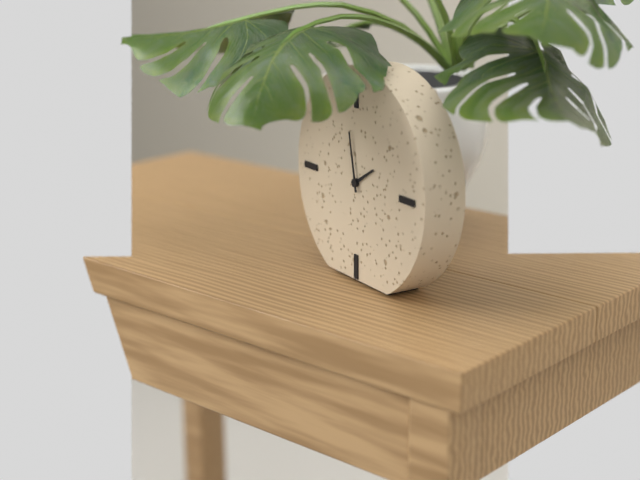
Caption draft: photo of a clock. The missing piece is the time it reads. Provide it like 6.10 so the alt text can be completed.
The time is 1.58
